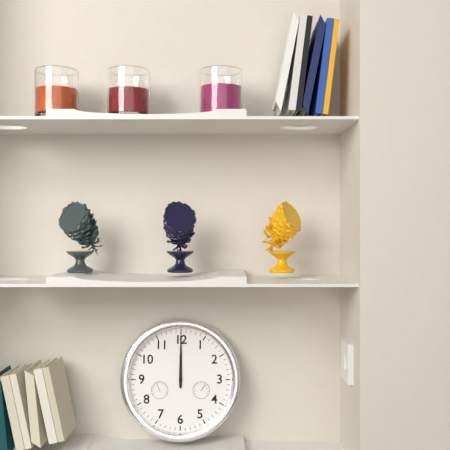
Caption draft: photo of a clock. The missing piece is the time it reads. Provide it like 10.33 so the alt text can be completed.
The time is 12.00
